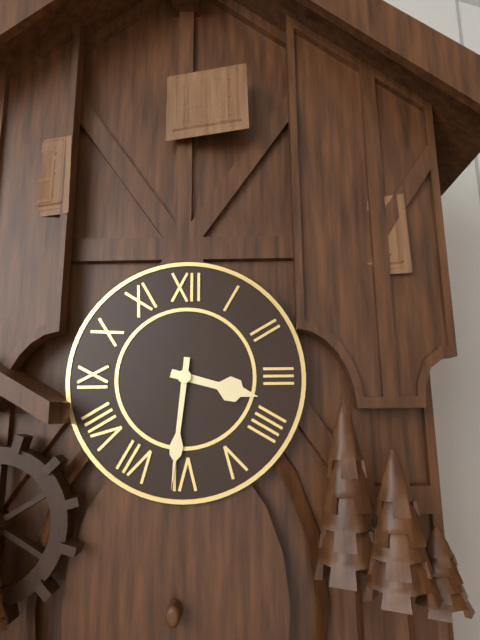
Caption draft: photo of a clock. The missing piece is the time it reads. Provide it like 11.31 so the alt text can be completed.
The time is 3.31
